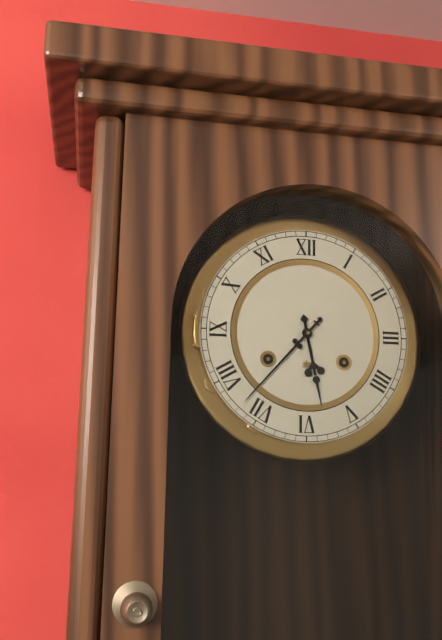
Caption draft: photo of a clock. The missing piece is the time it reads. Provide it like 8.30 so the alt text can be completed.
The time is 5.37
